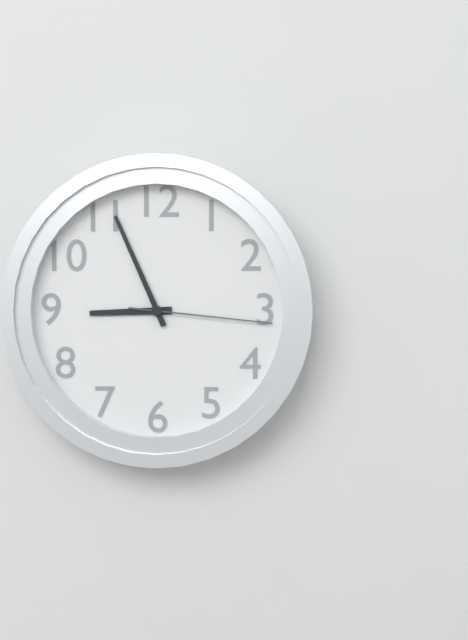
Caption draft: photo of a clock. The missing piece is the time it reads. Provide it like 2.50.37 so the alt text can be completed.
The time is 8.56.16
